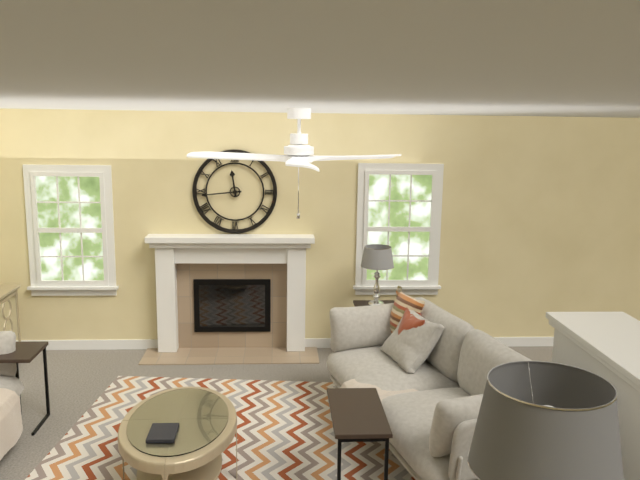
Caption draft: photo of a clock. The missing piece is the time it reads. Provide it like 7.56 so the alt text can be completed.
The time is 11.44
